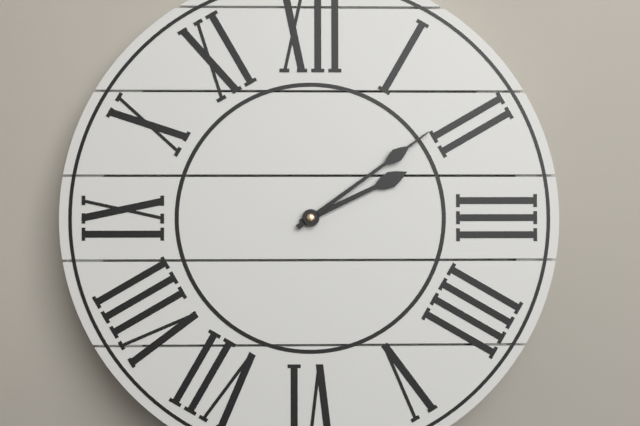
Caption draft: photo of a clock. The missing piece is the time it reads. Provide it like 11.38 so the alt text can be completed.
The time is 2.09
